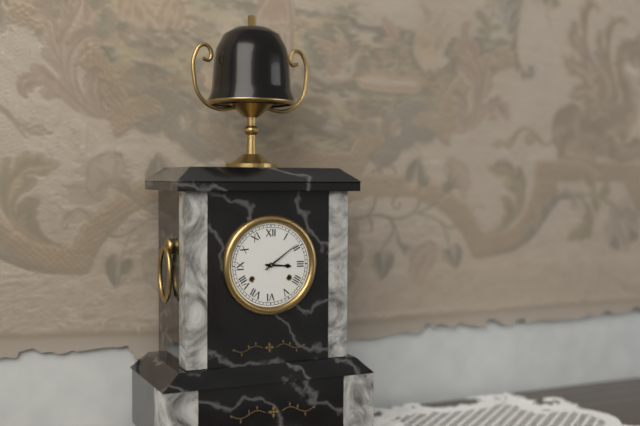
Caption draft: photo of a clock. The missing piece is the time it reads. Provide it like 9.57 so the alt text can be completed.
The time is 3.09
